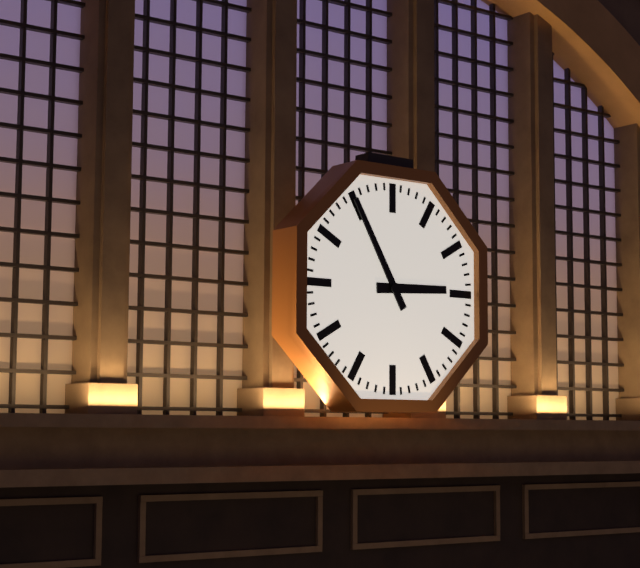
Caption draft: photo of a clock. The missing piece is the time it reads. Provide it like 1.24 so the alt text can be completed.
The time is 2.55
